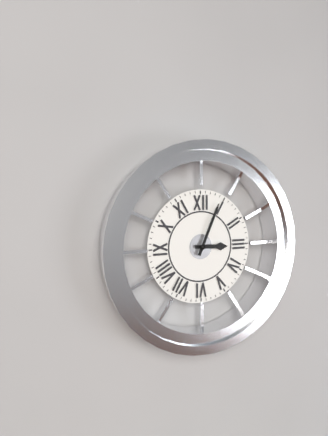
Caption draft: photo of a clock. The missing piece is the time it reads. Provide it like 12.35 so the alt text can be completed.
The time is 3.04
